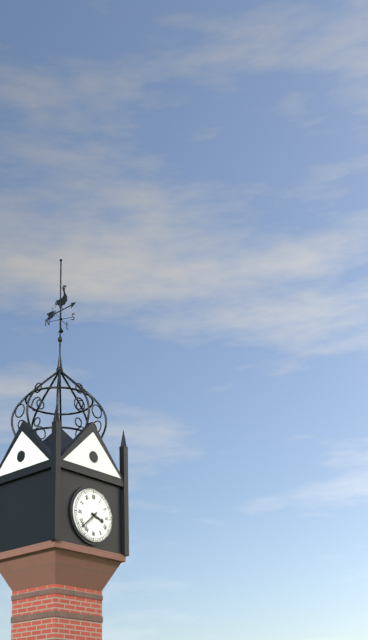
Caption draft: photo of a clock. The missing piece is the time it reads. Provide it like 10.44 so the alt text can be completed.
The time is 3.38
